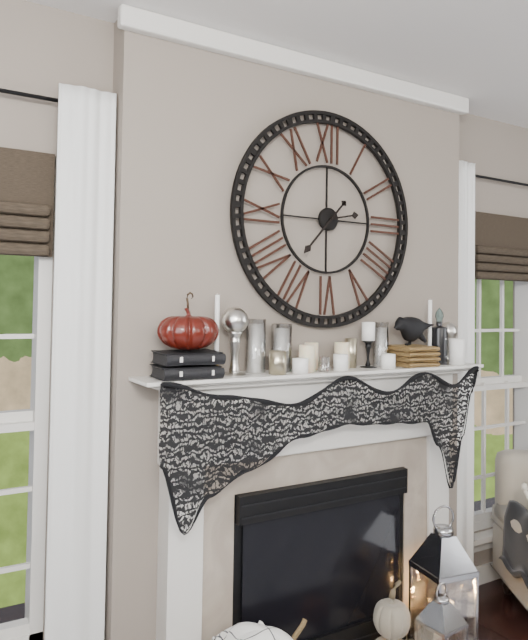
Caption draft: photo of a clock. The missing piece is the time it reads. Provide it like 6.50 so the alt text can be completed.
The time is 2.37
